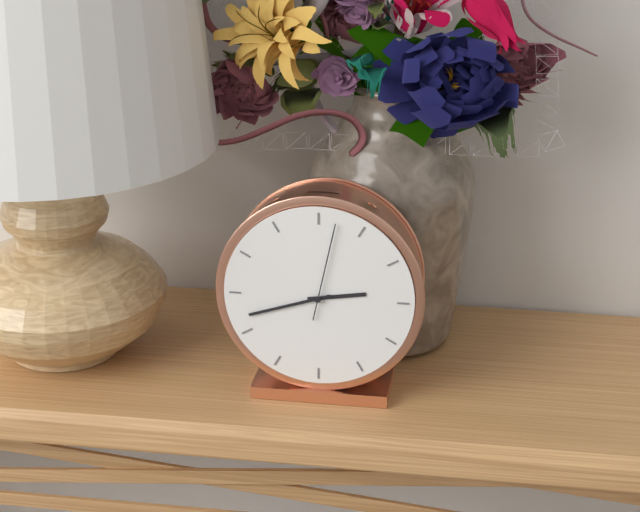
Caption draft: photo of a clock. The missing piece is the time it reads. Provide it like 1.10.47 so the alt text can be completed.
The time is 2.42.02
